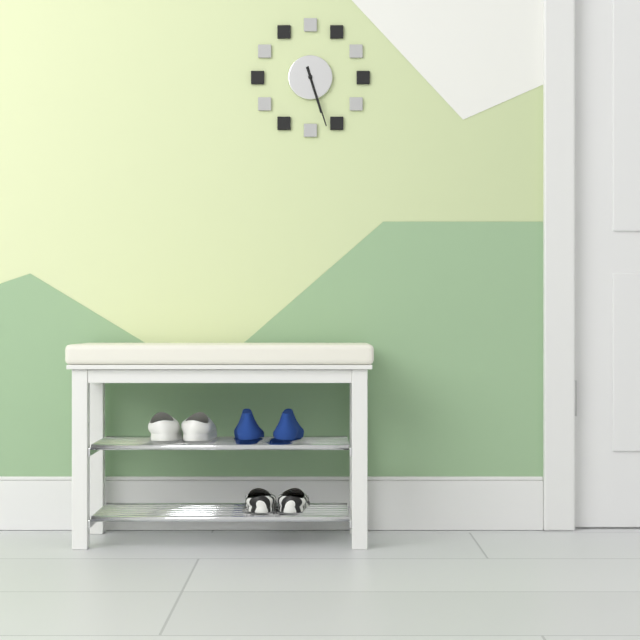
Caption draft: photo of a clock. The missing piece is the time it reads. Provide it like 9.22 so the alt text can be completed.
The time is 5.27
